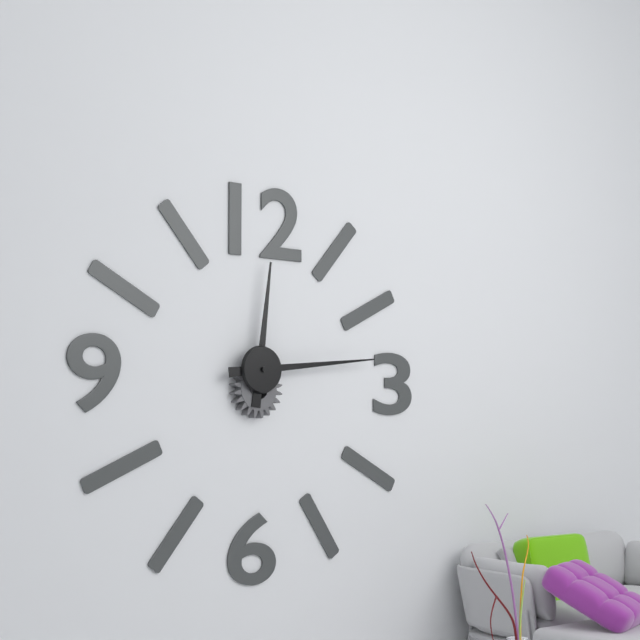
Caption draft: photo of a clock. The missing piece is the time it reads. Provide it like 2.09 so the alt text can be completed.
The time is 12.14
